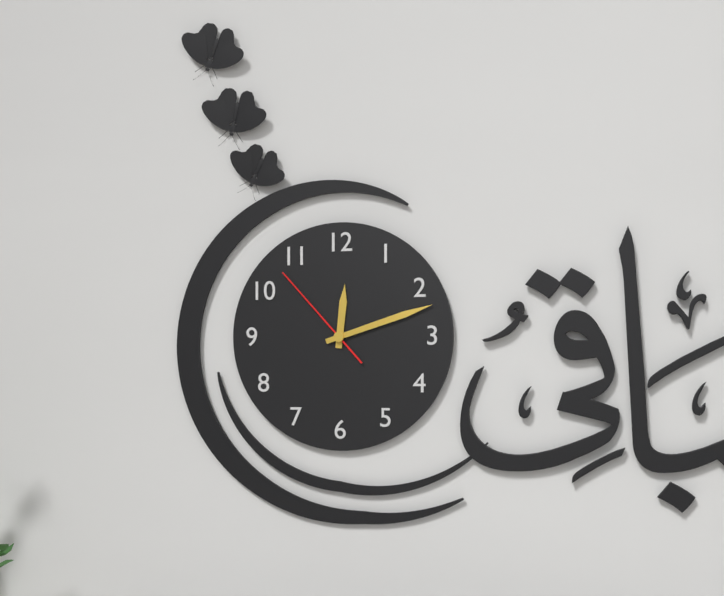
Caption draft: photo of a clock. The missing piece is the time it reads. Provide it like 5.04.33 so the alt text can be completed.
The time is 12.12.53
